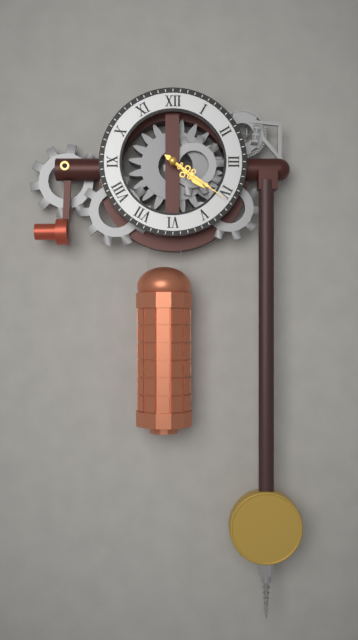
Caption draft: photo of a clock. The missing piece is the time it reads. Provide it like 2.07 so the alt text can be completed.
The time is 4.21
